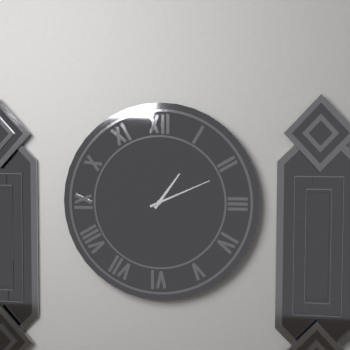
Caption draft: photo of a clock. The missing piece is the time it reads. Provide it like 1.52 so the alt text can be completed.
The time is 1.11
